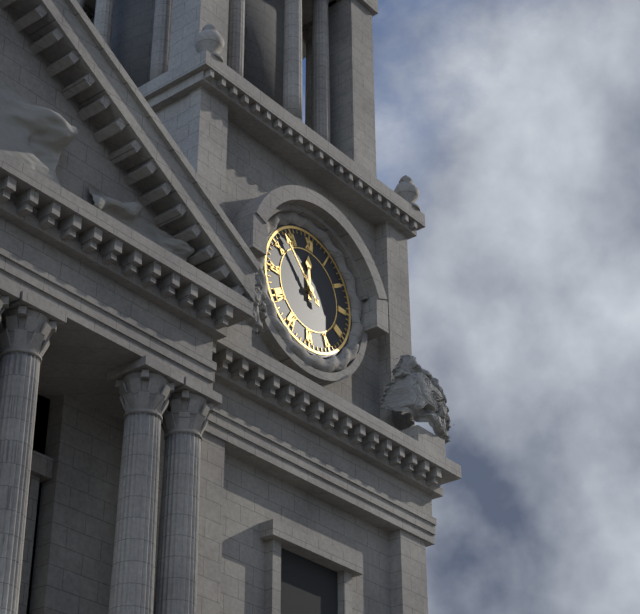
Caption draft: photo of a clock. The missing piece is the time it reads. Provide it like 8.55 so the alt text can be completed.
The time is 11.53
